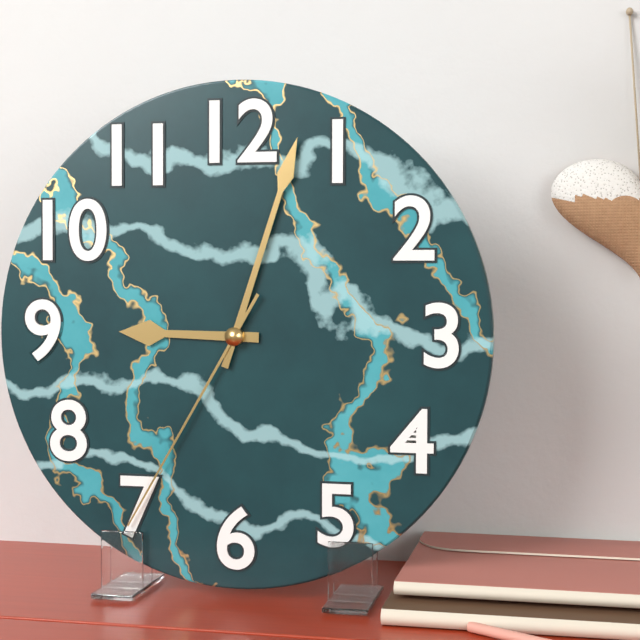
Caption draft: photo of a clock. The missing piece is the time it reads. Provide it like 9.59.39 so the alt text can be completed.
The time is 9.03.35
